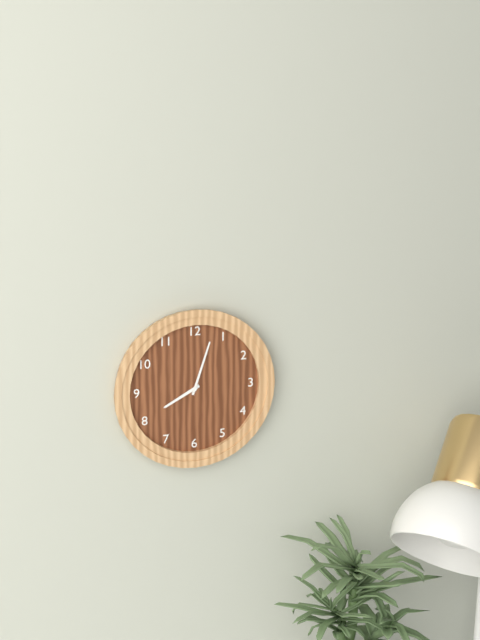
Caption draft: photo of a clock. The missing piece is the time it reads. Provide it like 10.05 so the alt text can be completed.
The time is 8.03
